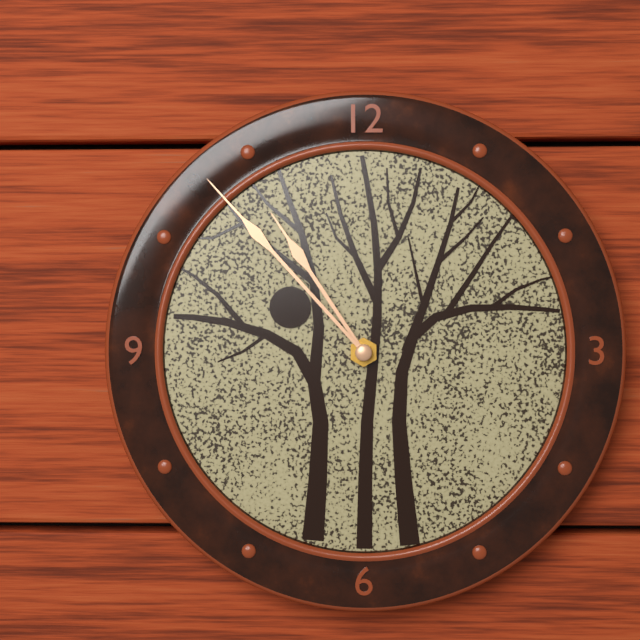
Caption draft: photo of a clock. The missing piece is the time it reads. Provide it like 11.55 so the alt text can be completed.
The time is 10.53
